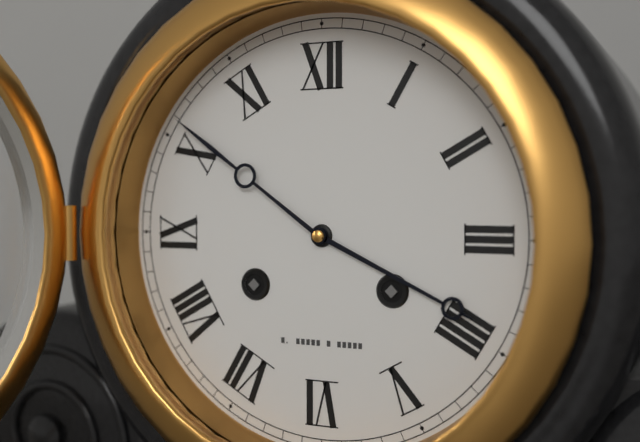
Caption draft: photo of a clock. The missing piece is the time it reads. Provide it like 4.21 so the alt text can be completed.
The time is 3.51
